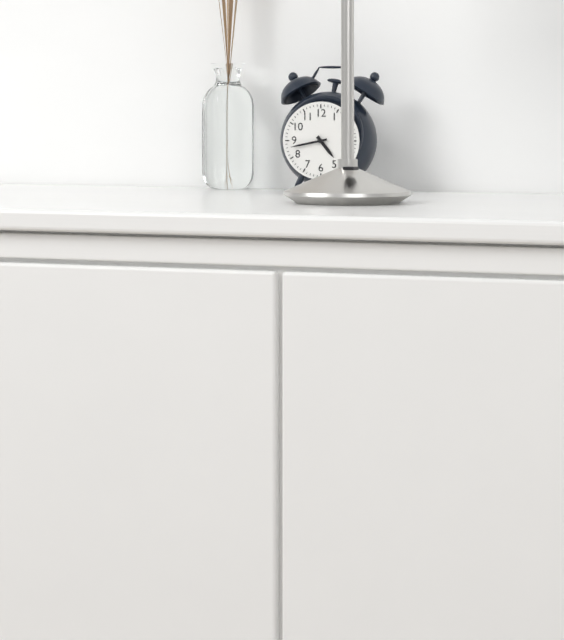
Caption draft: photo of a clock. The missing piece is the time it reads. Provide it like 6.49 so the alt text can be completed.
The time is 4.43
